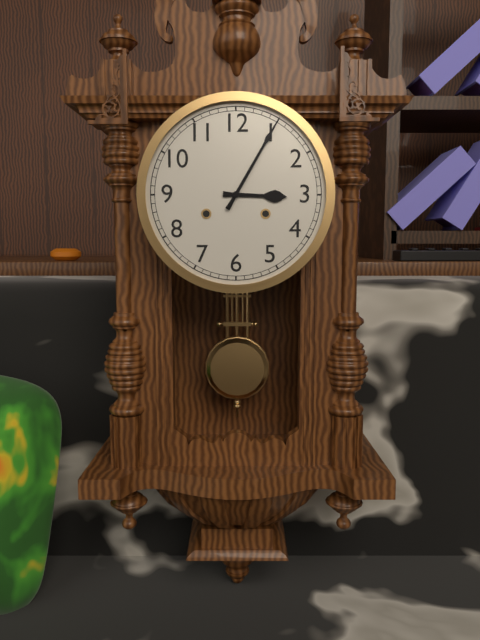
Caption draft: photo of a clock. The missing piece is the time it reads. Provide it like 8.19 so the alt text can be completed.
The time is 3.05
